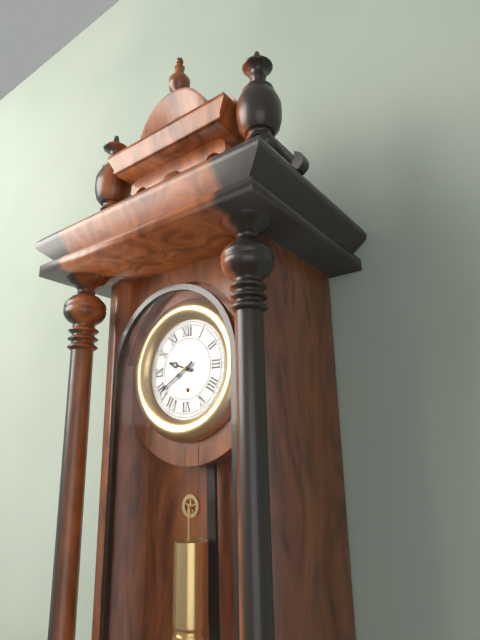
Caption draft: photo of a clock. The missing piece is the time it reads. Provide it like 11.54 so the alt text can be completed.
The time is 9.40
